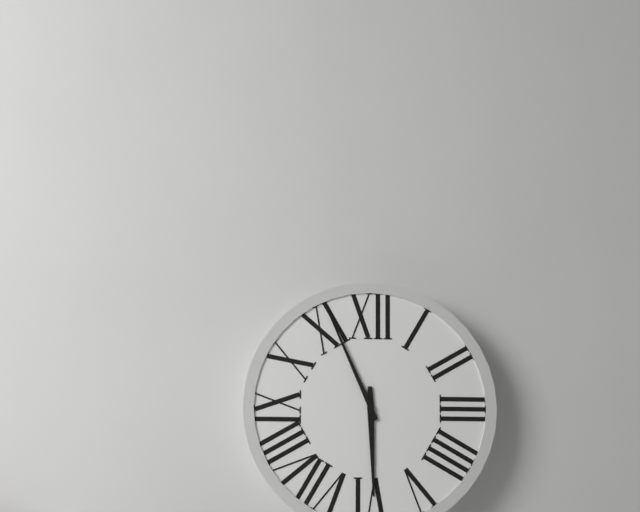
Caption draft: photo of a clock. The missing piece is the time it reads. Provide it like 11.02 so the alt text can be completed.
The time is 5.56
